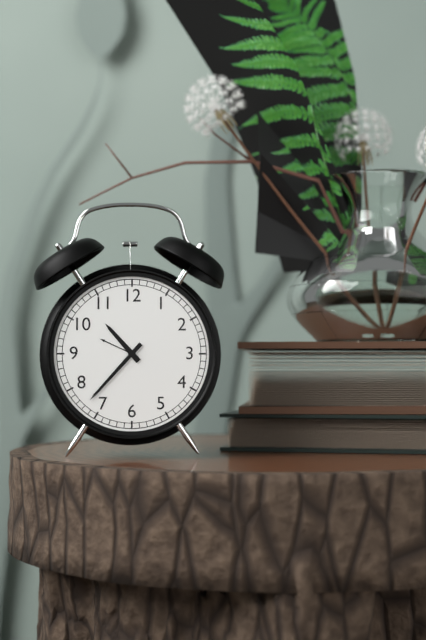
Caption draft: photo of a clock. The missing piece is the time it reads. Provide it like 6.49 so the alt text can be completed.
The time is 10.37
